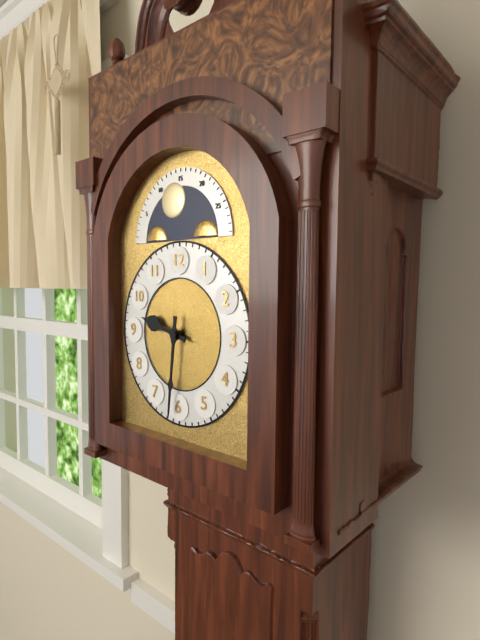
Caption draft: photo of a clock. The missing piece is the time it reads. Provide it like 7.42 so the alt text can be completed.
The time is 9.31
